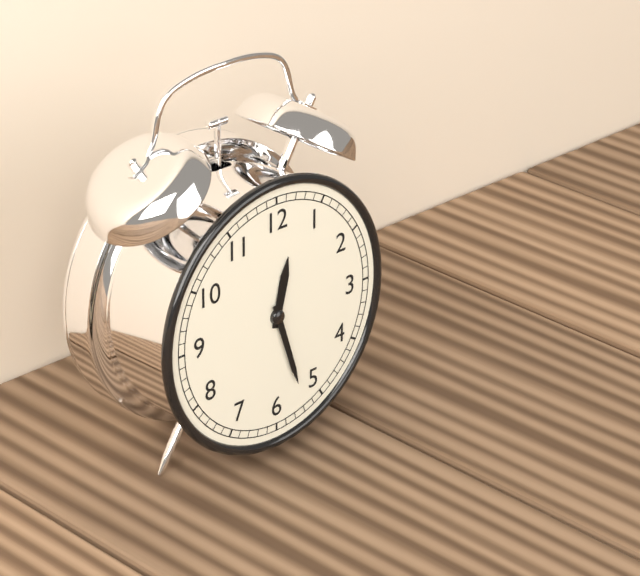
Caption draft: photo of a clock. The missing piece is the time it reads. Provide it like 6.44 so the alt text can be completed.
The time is 12.27
